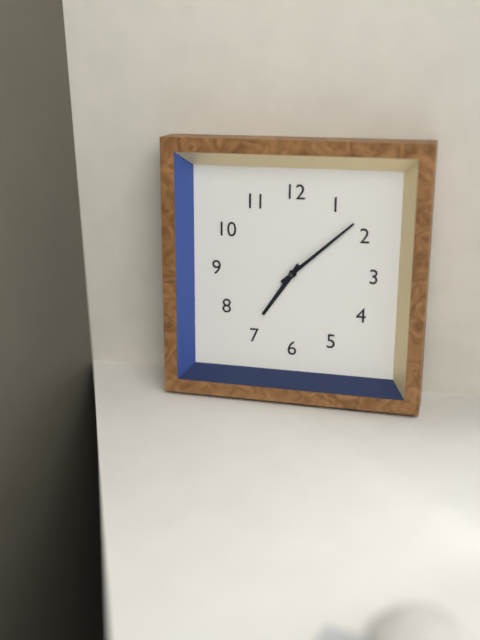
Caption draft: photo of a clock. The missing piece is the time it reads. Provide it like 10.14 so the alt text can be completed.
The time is 7.08
